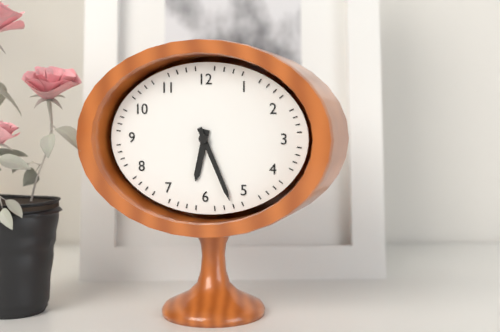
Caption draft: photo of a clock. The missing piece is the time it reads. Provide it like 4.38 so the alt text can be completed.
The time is 6.26
